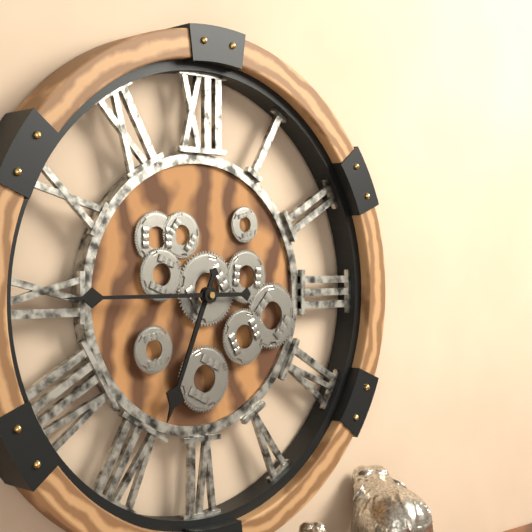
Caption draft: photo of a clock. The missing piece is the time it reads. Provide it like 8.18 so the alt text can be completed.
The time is 6.45
